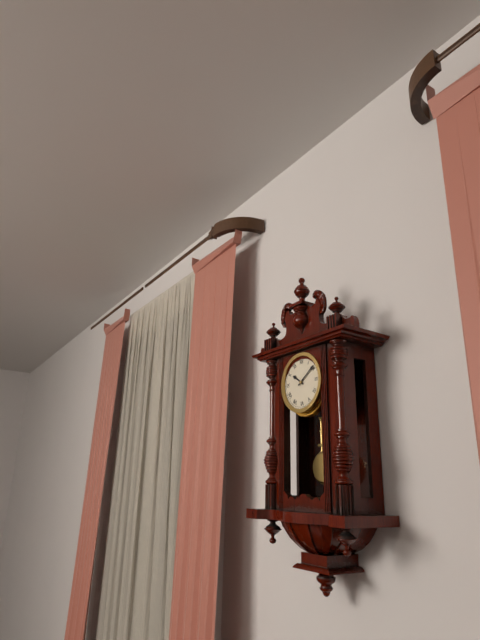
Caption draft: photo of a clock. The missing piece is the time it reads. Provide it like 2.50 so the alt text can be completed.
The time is 10.09
